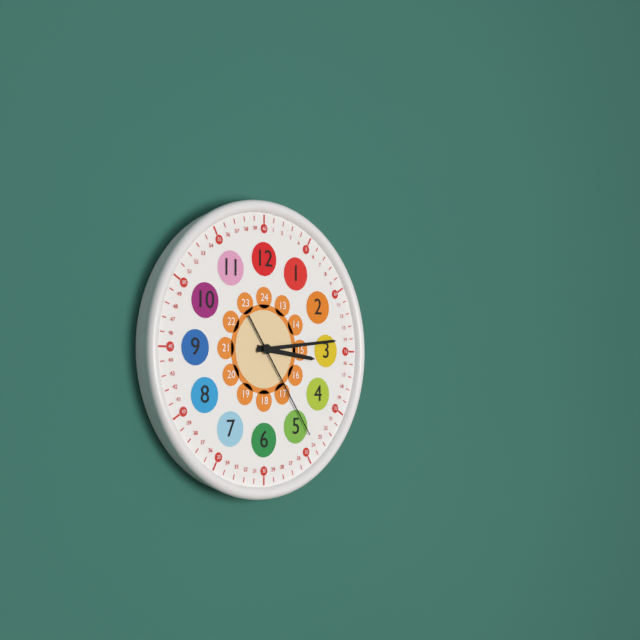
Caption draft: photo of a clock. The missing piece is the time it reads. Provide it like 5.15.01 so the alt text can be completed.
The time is 3.14.24
